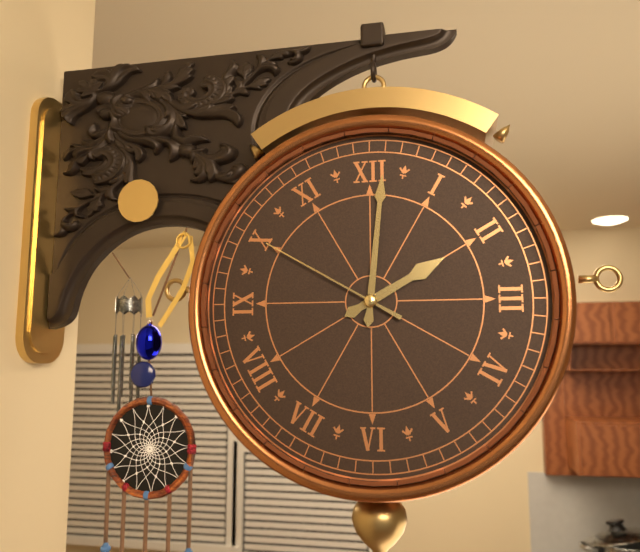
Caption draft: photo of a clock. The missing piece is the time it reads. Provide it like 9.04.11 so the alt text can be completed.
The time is 2.01.50
